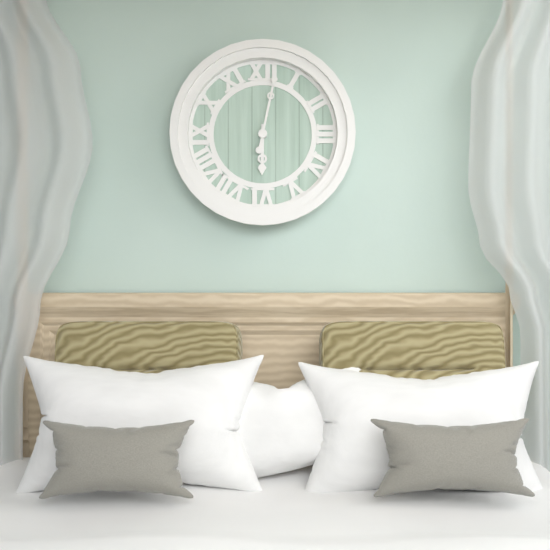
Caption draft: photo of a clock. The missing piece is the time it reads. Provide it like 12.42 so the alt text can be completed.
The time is 6.02
